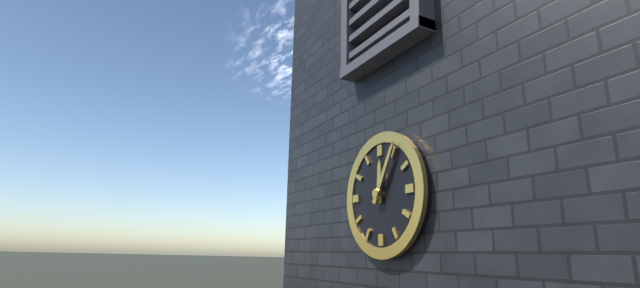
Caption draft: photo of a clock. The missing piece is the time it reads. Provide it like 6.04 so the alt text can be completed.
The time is 12.05
